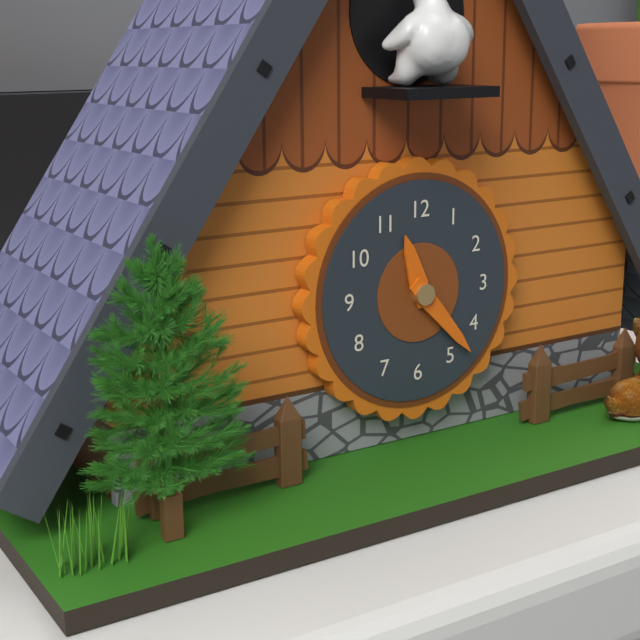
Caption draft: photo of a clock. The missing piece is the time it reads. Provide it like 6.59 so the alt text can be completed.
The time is 11.23
